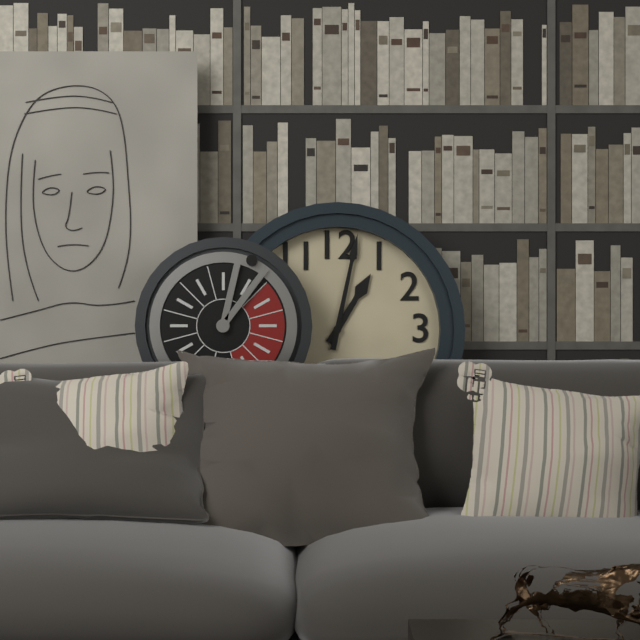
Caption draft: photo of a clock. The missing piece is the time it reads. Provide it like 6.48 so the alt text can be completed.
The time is 1.02
